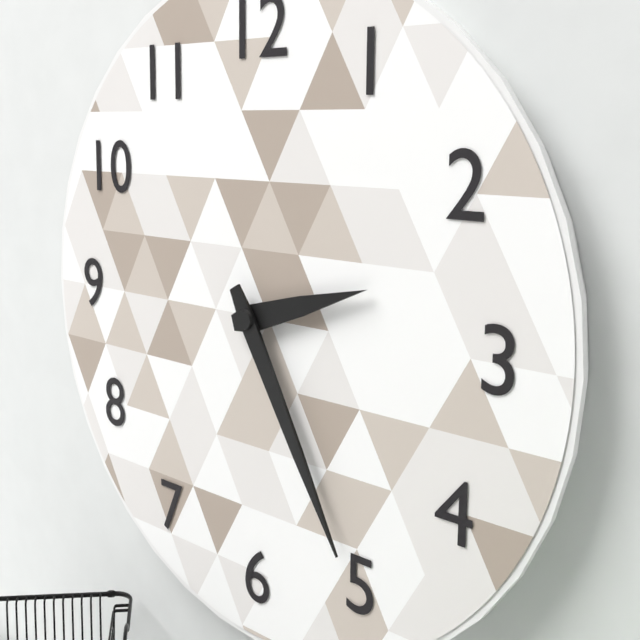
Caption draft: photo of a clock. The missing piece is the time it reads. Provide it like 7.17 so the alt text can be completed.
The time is 2.25
